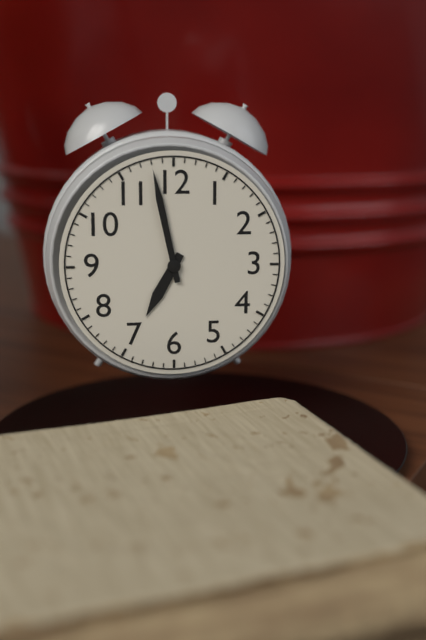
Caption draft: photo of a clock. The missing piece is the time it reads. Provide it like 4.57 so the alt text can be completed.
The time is 6.58
